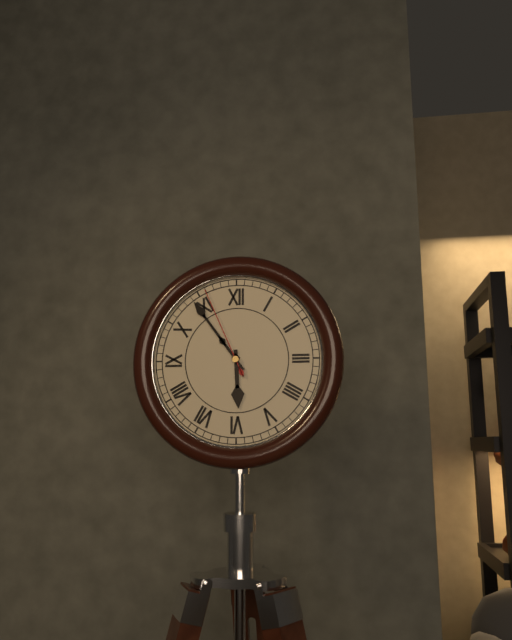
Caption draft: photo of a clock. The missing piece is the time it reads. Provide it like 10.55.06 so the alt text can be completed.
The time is 5.54.56
